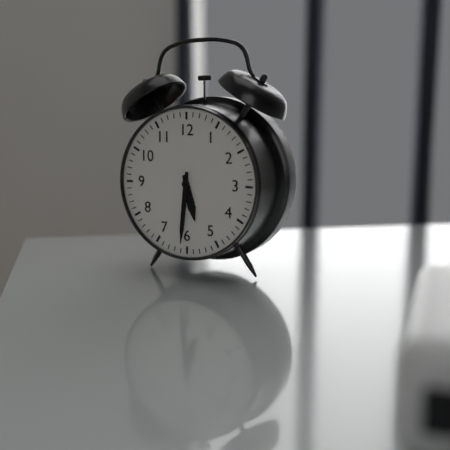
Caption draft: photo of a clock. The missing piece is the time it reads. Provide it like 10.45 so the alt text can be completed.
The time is 5.31
